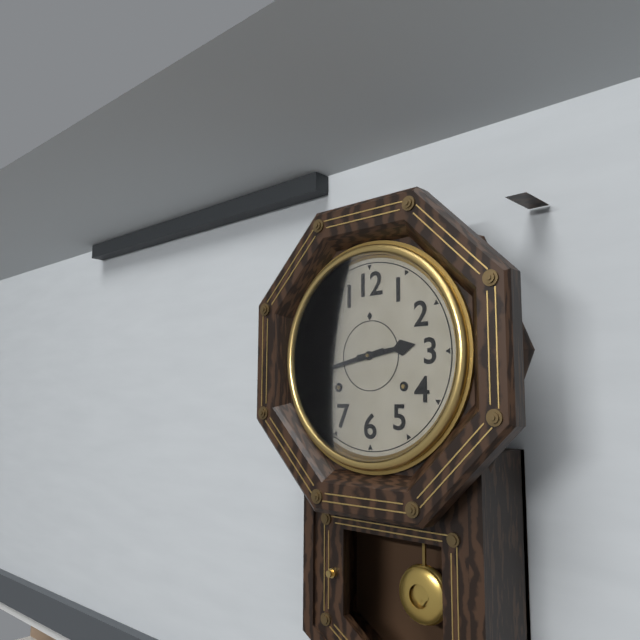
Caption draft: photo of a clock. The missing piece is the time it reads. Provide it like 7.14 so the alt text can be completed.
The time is 2.43
